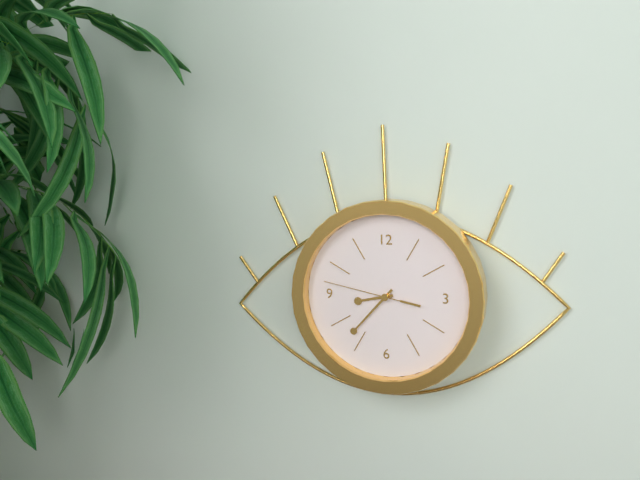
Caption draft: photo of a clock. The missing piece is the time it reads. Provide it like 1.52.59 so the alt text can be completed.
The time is 8.37.47
